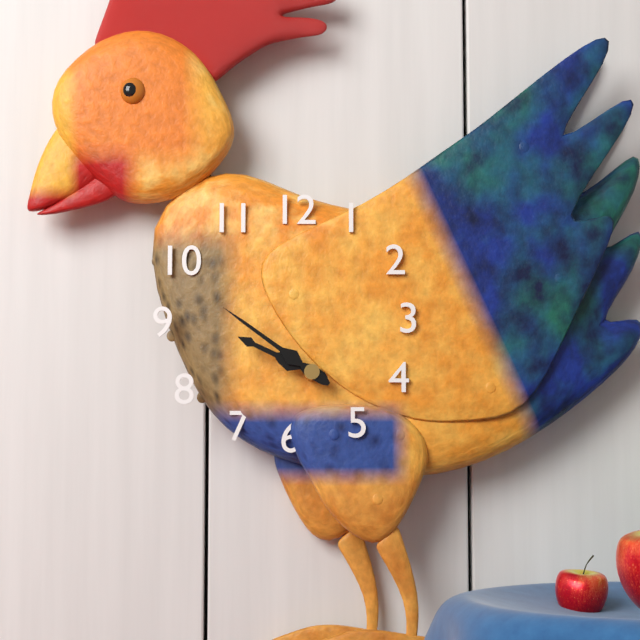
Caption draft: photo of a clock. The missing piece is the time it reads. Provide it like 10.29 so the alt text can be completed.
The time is 9.51
